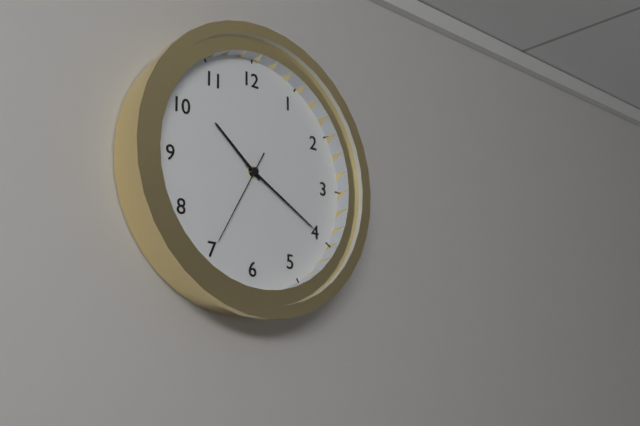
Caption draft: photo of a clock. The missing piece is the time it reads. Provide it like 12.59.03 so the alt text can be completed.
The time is 10.20.35
